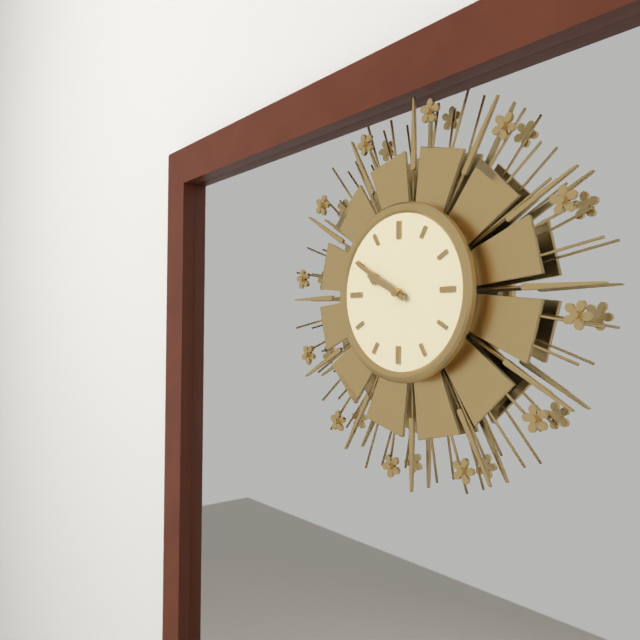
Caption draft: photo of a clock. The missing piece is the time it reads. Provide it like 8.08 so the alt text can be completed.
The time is 9.50
